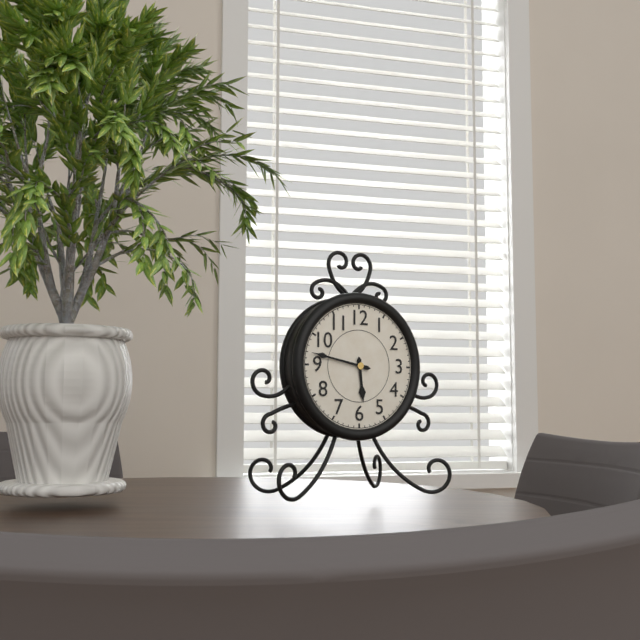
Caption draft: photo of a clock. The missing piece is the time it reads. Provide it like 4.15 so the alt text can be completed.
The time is 5.47
